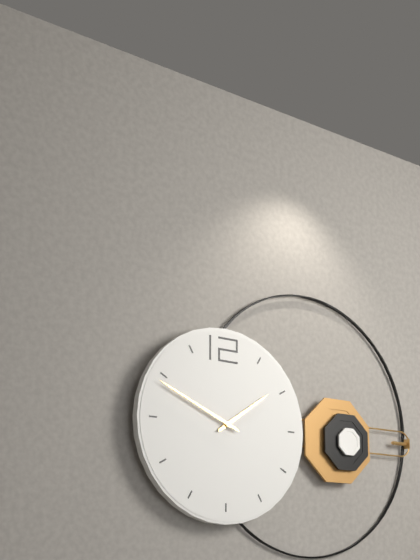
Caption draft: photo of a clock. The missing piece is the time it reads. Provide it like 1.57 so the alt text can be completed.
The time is 1.49
